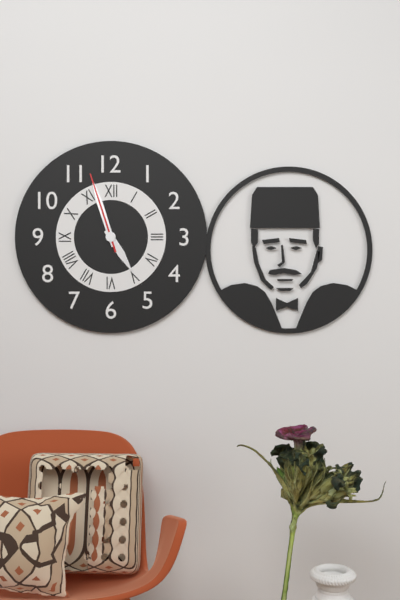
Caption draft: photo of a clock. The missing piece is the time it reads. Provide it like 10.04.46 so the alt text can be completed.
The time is 4.57.57
